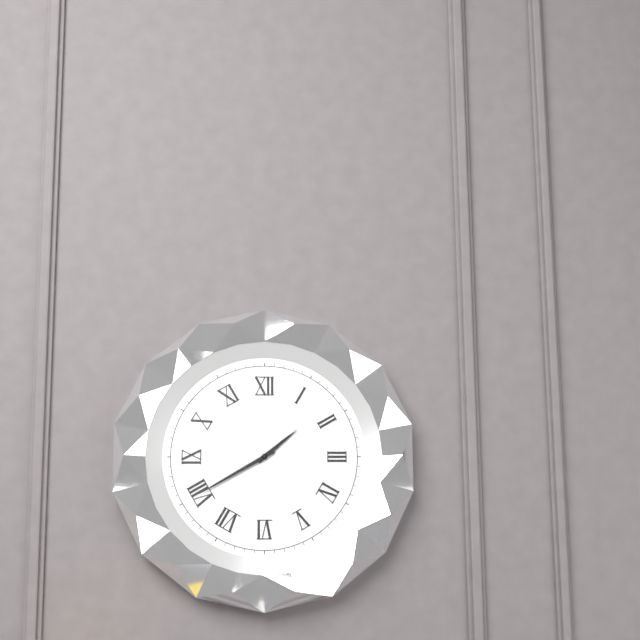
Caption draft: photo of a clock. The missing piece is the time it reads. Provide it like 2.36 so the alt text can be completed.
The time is 1.40
